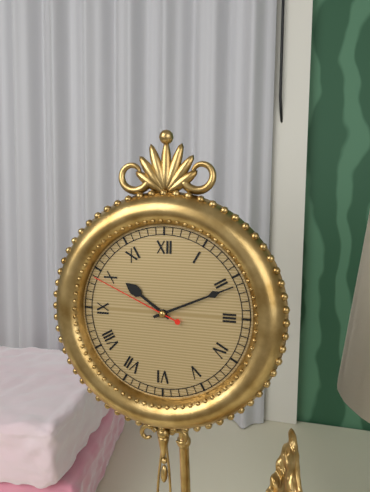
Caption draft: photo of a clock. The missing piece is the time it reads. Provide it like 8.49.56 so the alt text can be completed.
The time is 10.11.49
